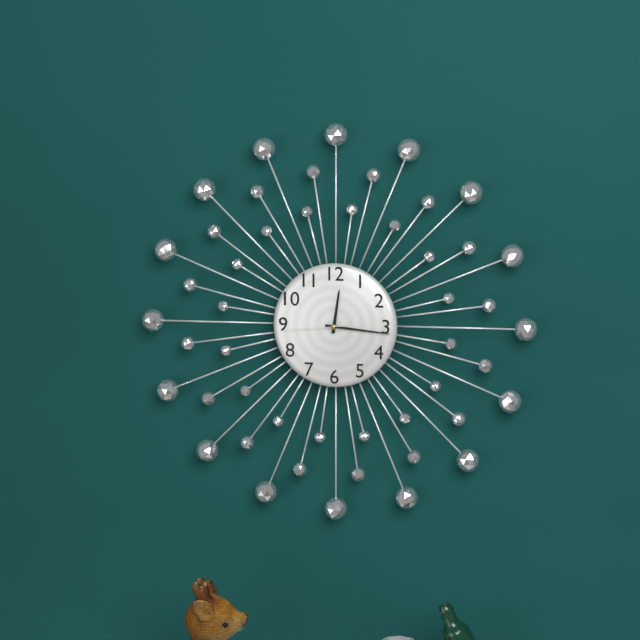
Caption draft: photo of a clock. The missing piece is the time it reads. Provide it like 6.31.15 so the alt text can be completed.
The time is 12.16.44
